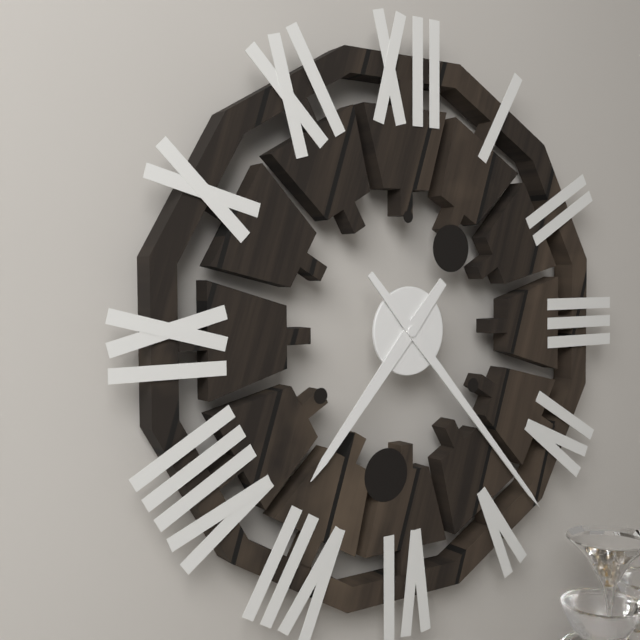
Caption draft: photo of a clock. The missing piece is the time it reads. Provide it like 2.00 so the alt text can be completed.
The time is 7.23
